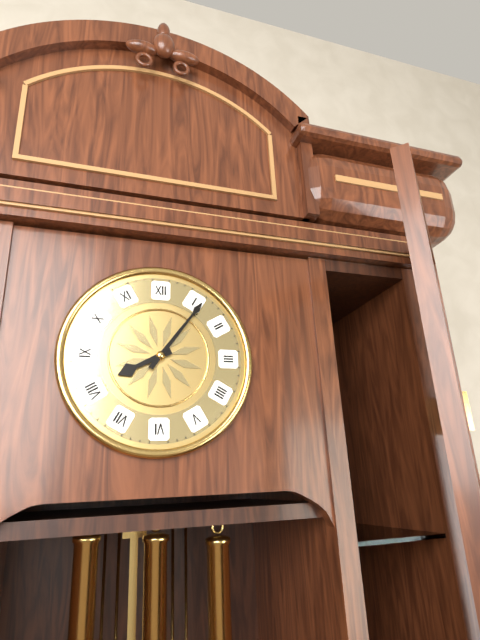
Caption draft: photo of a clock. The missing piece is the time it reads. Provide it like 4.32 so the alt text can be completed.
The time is 8.06
